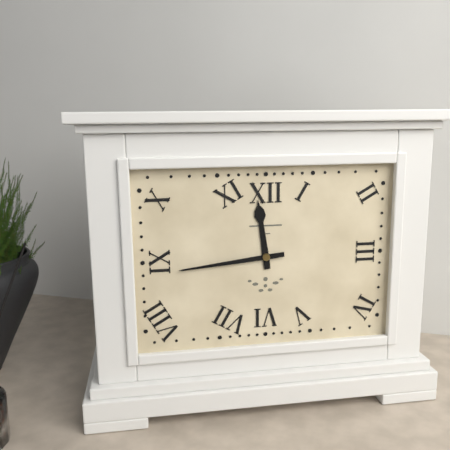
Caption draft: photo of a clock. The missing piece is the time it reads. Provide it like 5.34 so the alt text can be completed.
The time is 11.44
